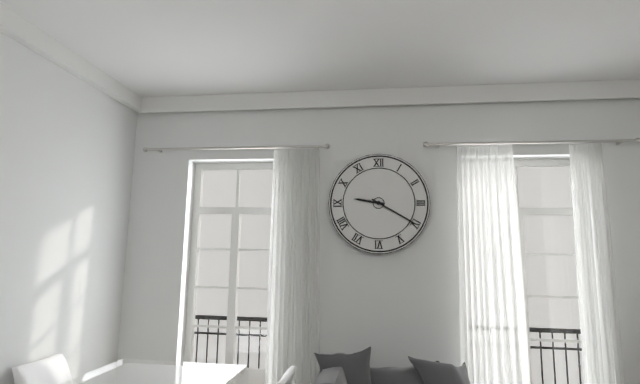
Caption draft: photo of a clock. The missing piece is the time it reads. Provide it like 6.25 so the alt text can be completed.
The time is 9.20
